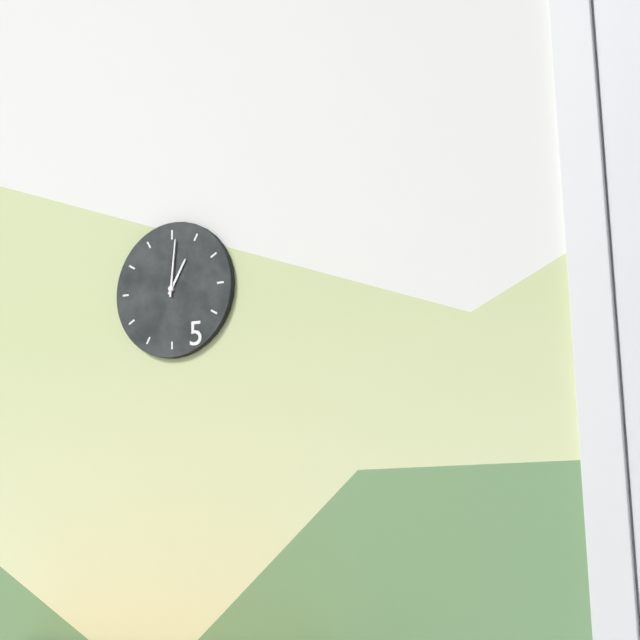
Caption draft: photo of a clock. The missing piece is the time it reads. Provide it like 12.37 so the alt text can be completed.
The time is 1.01
